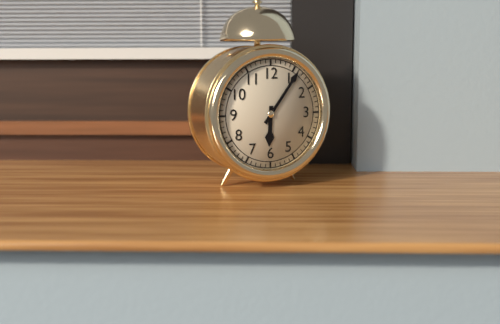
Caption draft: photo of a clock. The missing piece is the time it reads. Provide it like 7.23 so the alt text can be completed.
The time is 6.06
